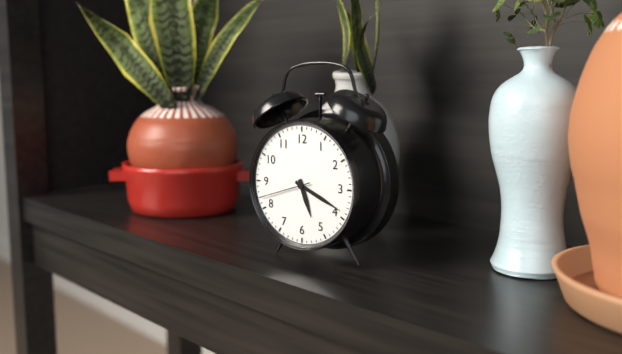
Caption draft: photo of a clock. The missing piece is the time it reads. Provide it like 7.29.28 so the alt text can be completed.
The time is 5.19.42
